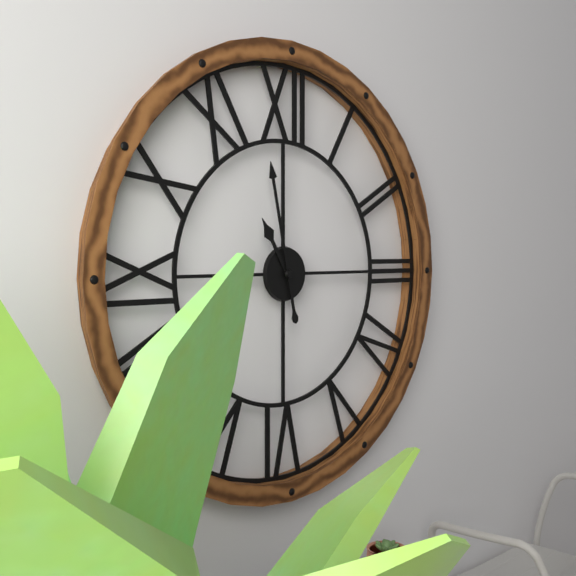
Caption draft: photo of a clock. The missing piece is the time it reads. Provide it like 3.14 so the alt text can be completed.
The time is 10.58
